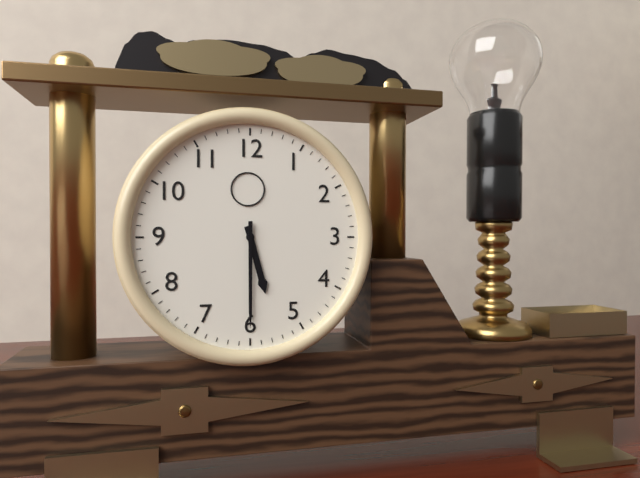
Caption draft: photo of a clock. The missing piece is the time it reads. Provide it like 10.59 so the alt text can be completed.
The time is 5.30
